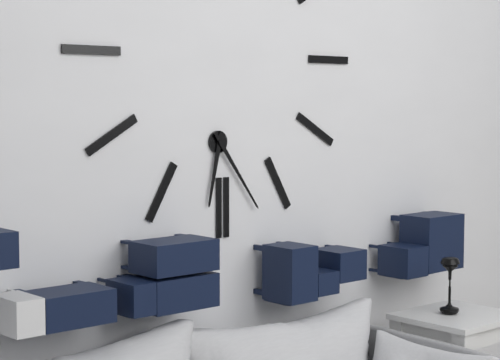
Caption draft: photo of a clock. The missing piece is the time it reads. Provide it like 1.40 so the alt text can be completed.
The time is 6.24
